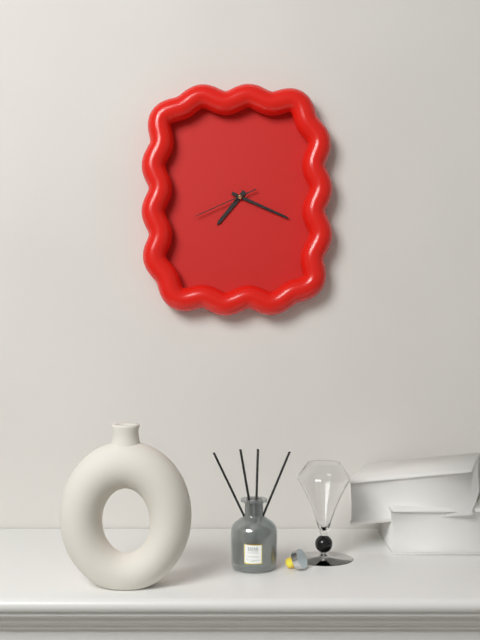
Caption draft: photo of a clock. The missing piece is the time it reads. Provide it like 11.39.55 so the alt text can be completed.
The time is 7.19.41
